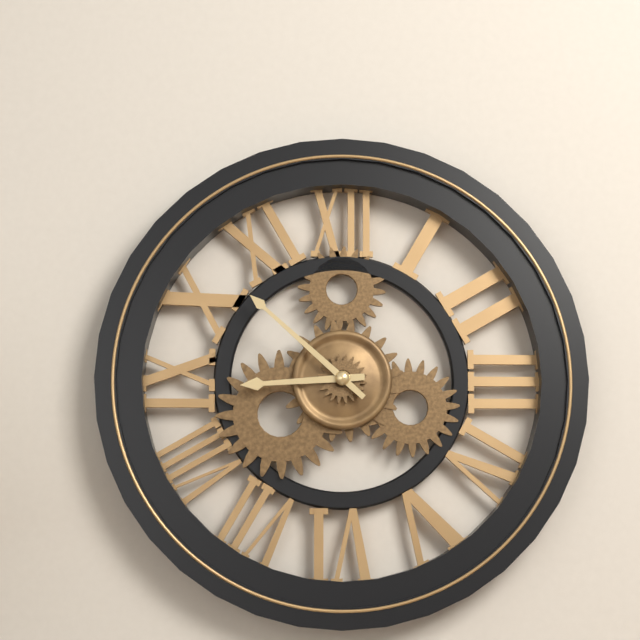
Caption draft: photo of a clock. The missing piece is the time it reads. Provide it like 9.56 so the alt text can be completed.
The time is 8.52
